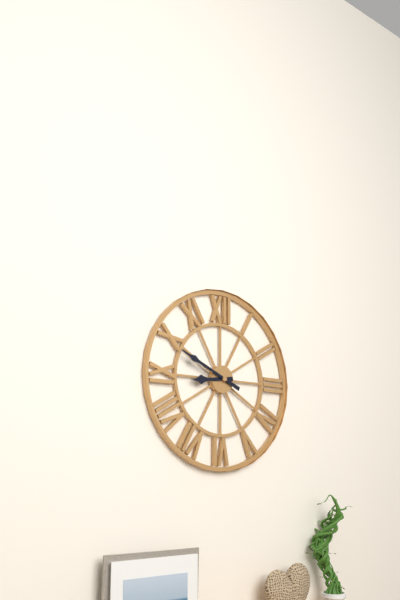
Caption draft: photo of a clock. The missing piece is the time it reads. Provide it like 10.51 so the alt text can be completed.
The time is 8.49
